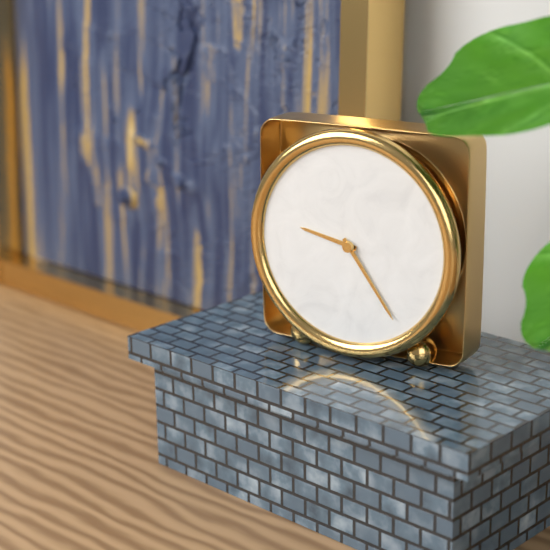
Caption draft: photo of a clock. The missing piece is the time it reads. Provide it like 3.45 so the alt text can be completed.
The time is 9.24
